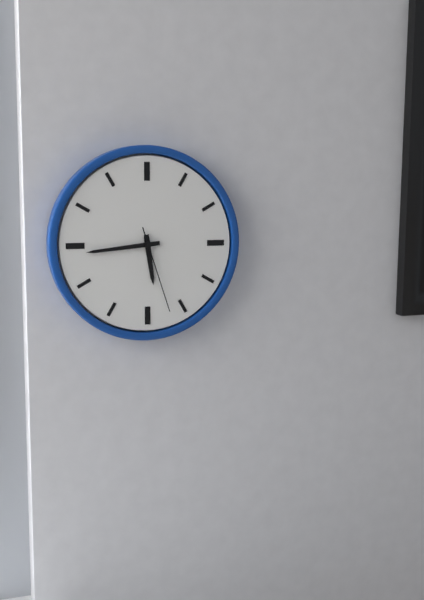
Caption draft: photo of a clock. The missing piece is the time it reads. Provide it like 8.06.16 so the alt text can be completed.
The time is 5.44.27
